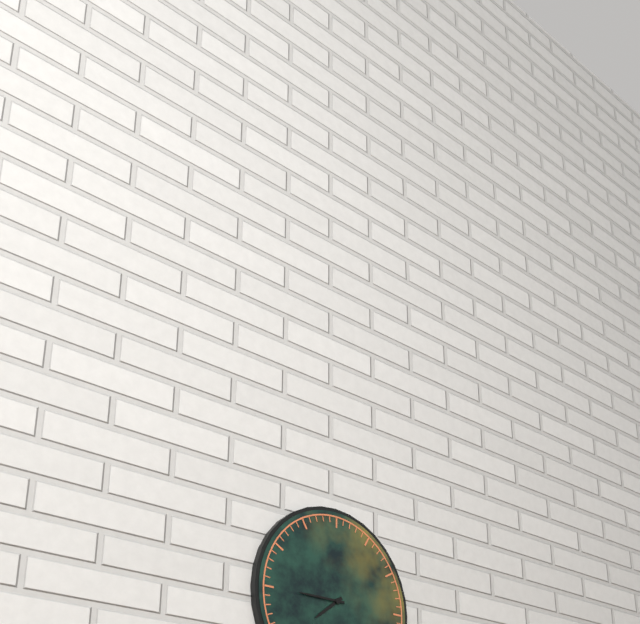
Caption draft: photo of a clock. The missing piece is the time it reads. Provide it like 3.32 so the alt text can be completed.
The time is 7.45
